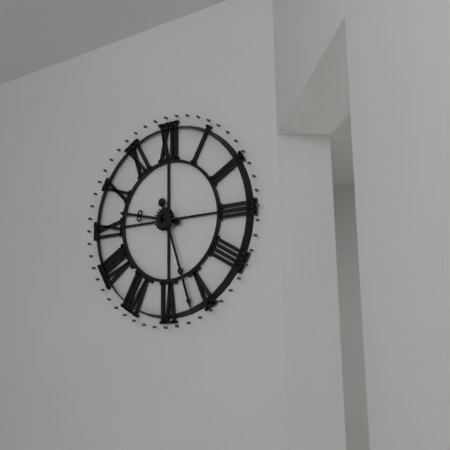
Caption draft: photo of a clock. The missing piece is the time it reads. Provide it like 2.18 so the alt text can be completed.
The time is 9.27
